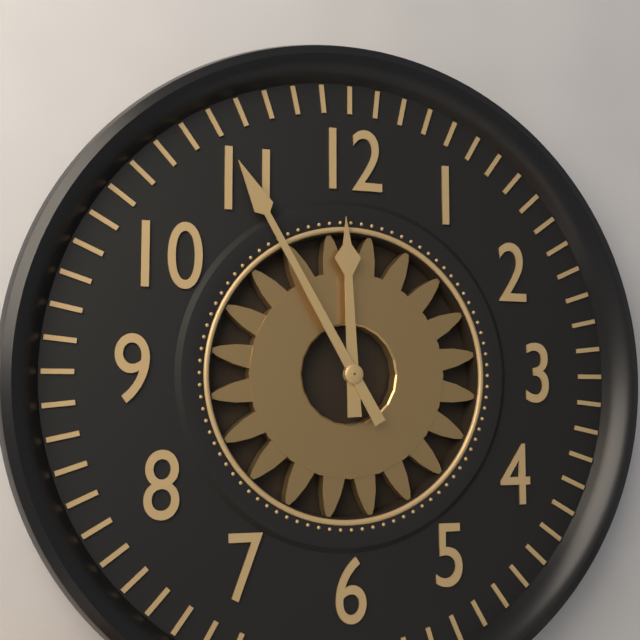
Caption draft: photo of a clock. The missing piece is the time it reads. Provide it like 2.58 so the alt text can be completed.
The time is 11.55
